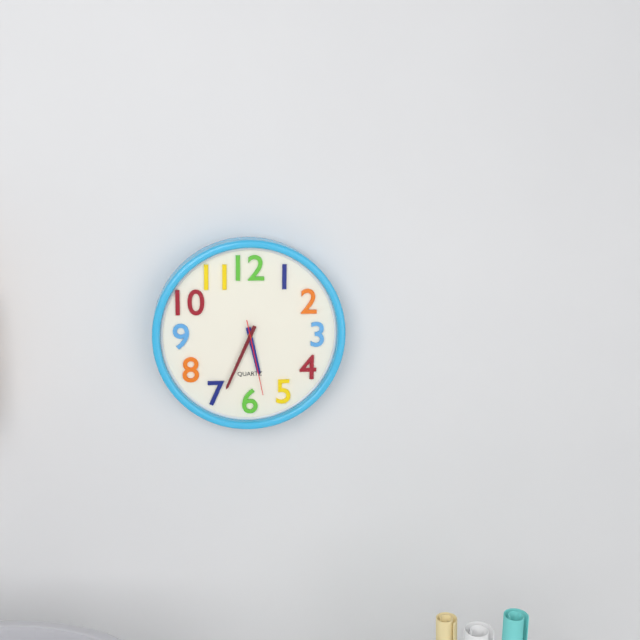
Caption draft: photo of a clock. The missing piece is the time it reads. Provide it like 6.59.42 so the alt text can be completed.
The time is 5.34.28
